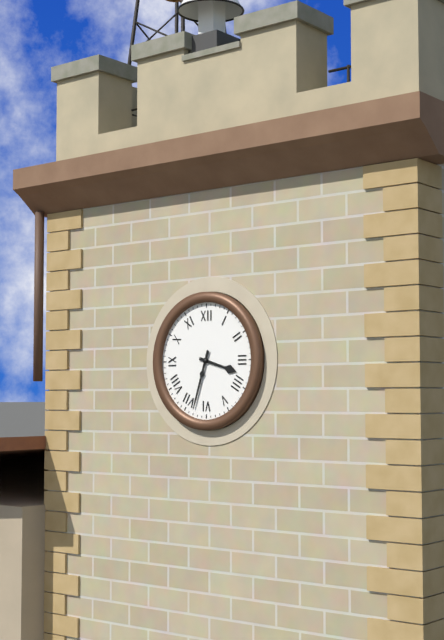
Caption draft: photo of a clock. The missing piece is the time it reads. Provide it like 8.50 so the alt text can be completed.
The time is 3.33
